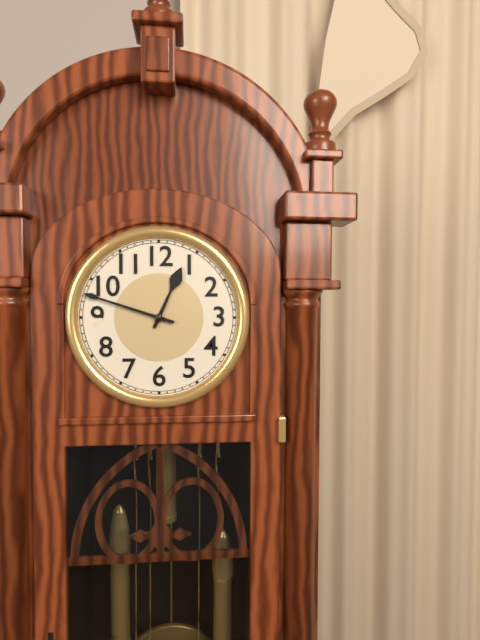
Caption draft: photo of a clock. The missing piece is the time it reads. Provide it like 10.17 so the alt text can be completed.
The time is 12.48
